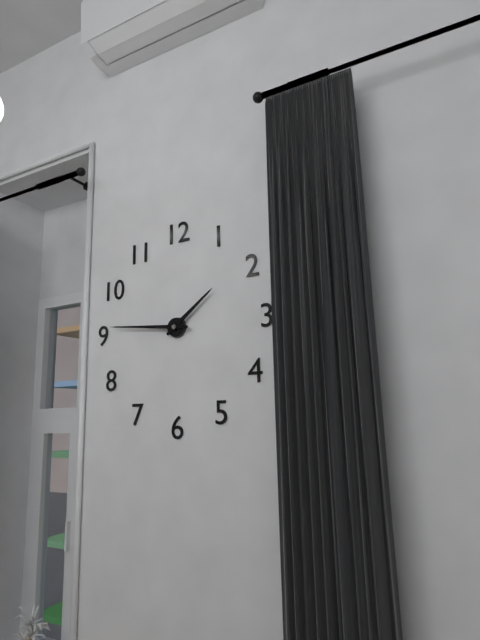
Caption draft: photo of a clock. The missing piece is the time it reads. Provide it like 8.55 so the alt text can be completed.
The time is 1.46
